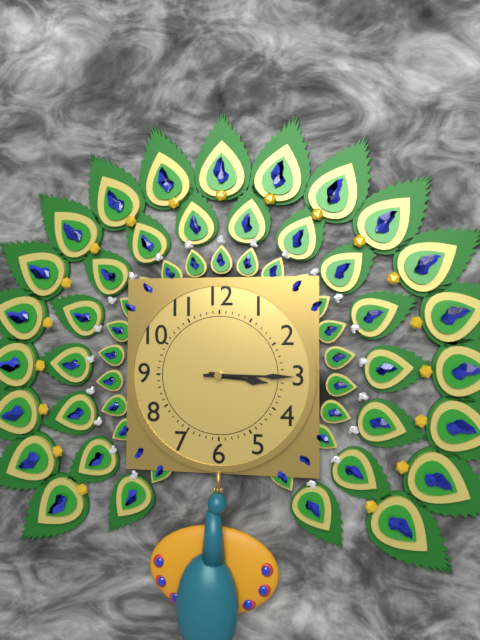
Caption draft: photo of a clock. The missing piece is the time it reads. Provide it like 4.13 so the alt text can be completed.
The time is 3.15
